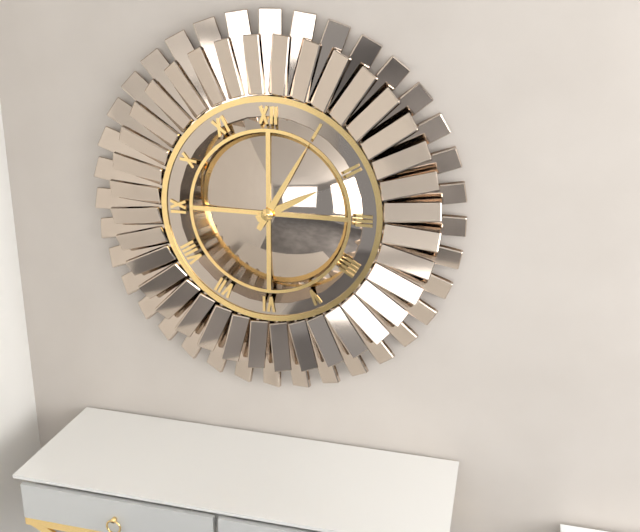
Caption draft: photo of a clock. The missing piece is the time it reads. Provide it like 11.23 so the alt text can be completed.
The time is 2.05
